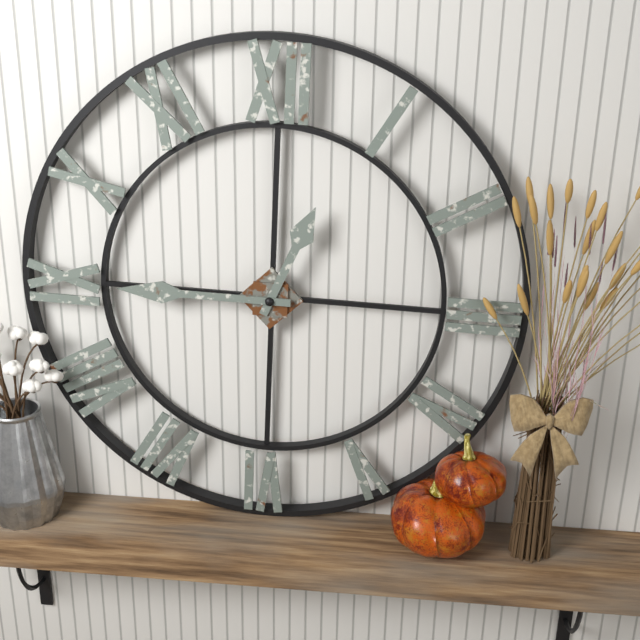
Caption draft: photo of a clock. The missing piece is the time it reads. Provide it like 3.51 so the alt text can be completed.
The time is 12.45
